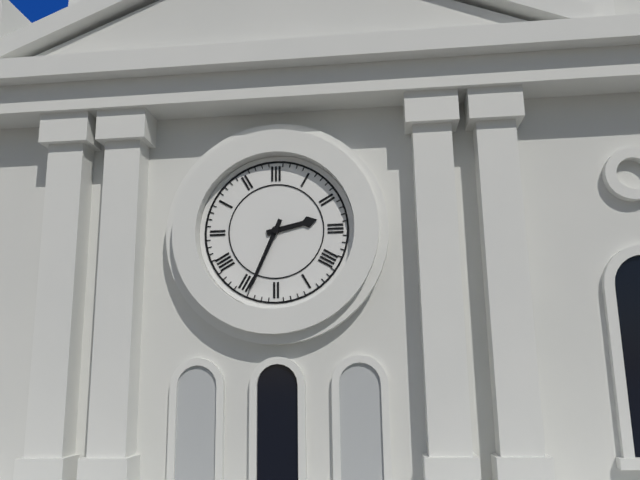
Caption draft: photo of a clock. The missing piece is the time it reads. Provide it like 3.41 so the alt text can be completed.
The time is 2.34
